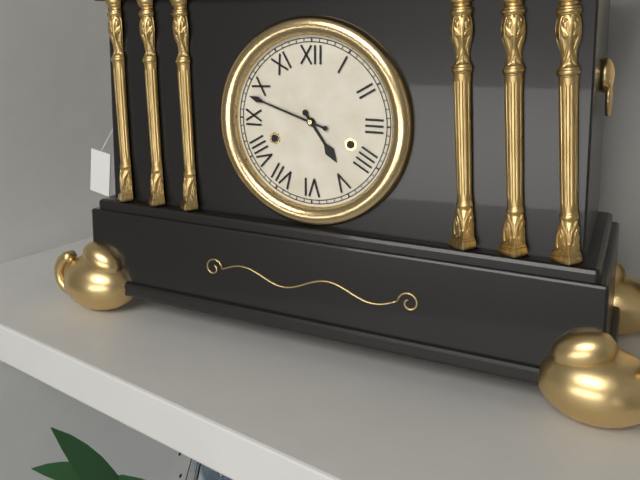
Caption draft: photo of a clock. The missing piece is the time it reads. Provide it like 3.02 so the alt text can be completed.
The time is 4.48
